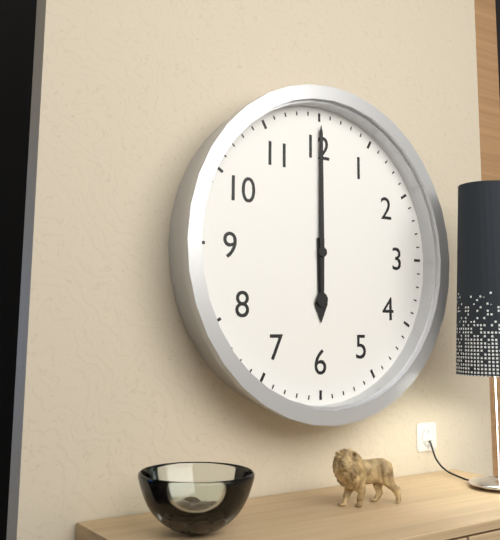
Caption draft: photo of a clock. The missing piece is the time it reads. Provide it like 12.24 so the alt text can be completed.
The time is 6.00
